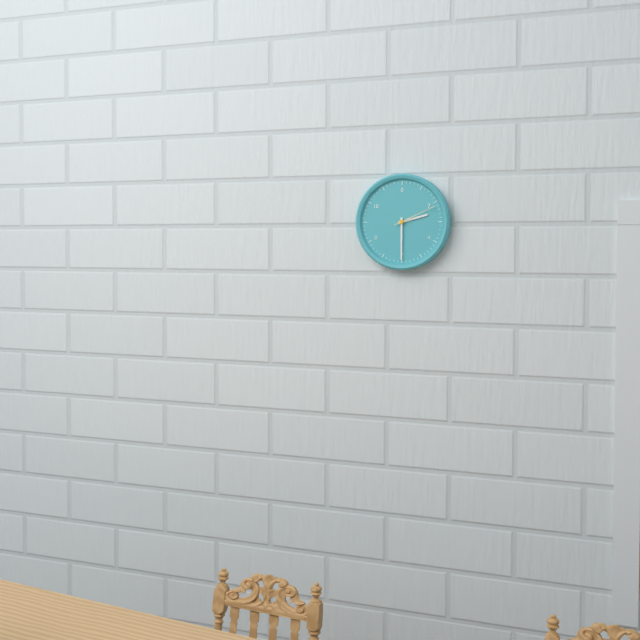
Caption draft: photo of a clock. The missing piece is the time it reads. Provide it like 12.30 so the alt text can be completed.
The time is 2.30
